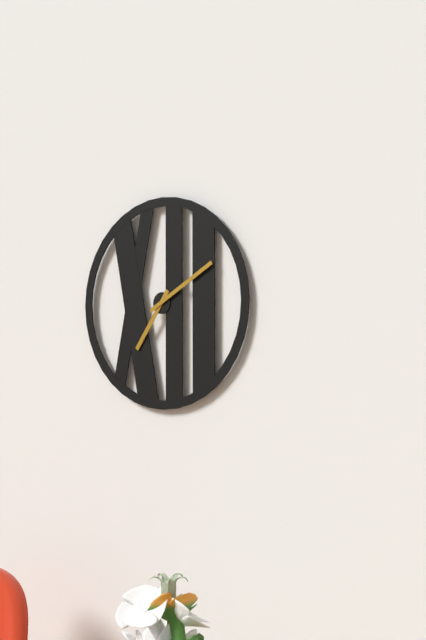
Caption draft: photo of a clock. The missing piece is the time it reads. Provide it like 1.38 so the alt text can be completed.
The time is 7.10
